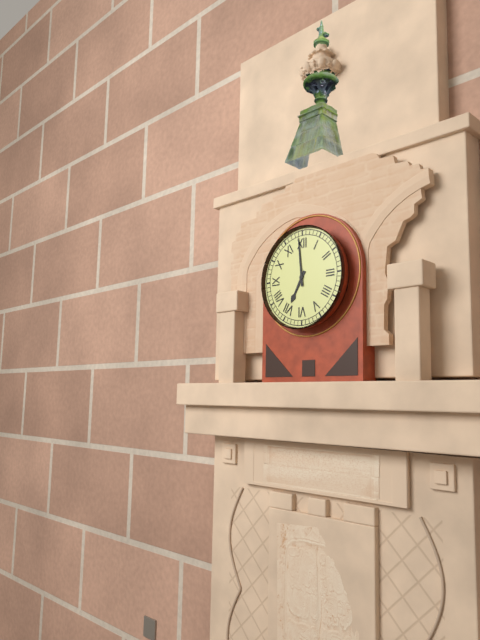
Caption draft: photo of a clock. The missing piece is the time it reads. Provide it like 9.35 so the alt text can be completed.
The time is 6.59
